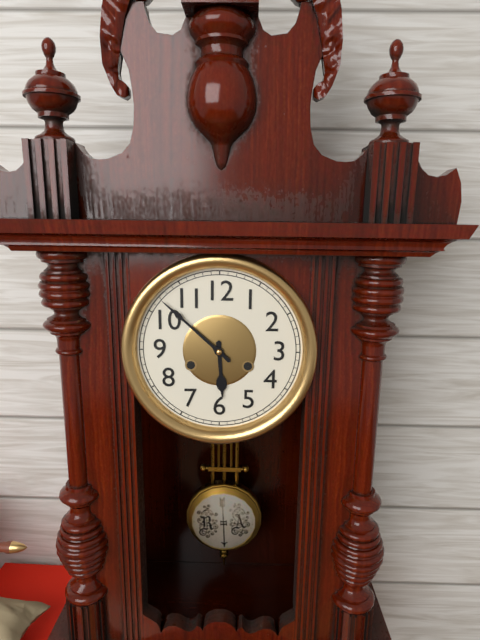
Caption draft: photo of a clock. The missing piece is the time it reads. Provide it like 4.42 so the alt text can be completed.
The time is 5.52
